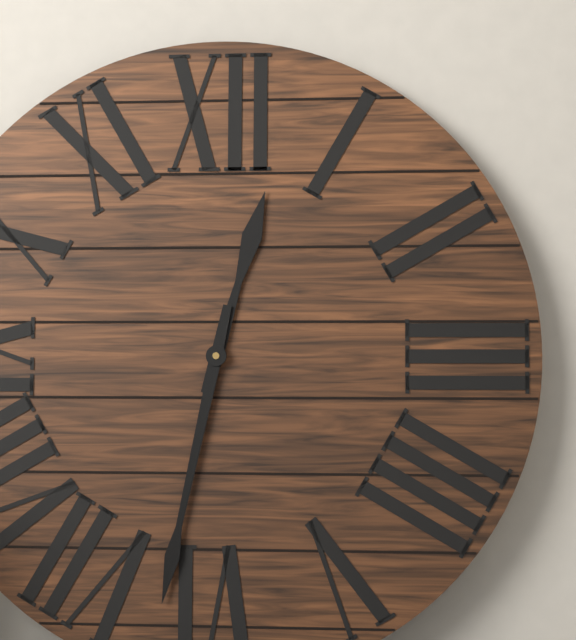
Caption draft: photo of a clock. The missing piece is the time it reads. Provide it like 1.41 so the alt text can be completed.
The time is 12.32
